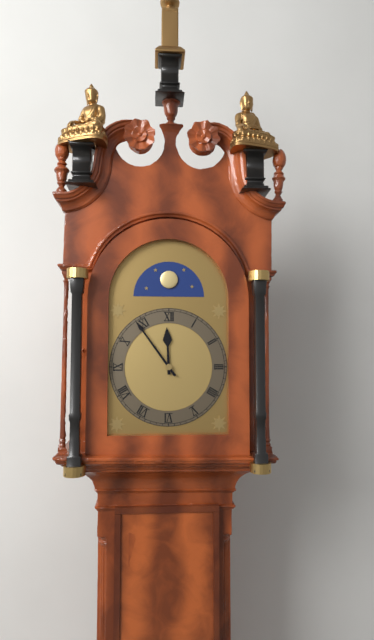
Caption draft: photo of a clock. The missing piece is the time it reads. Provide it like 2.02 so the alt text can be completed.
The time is 11.54
